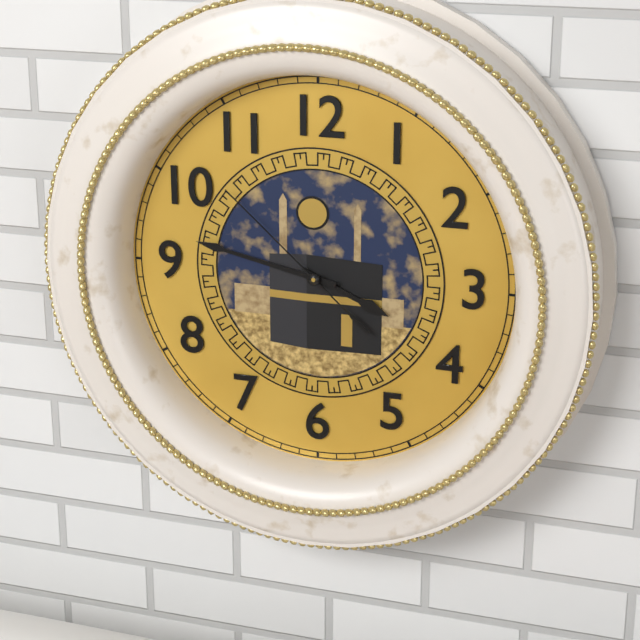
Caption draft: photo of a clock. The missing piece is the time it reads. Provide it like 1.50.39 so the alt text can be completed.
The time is 3.47.52
